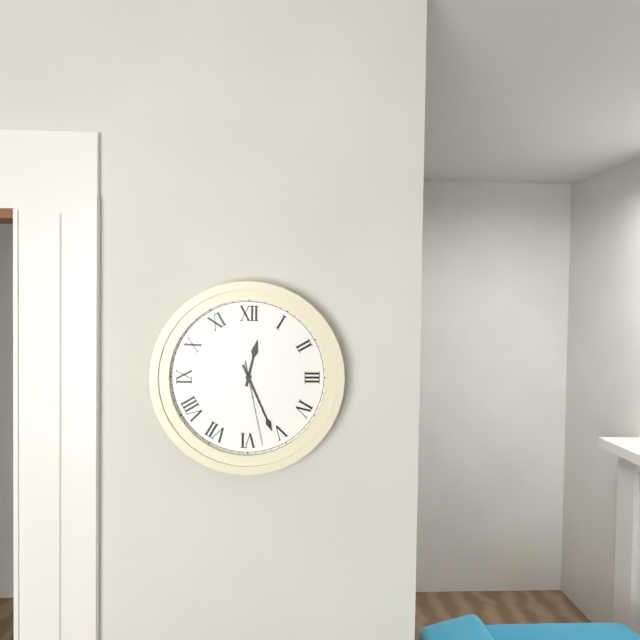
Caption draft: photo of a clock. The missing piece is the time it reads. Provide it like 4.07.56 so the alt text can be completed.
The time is 12.26.28
